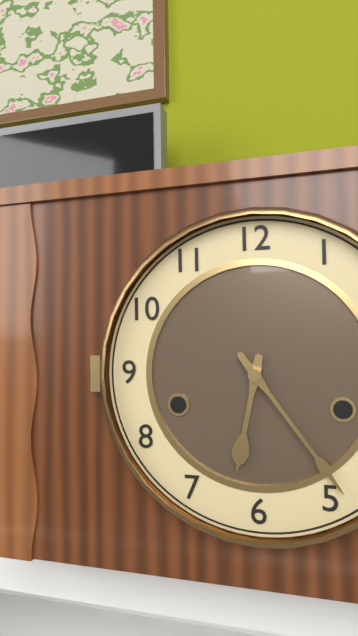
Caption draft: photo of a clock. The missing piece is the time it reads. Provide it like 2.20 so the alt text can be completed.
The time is 6.24
